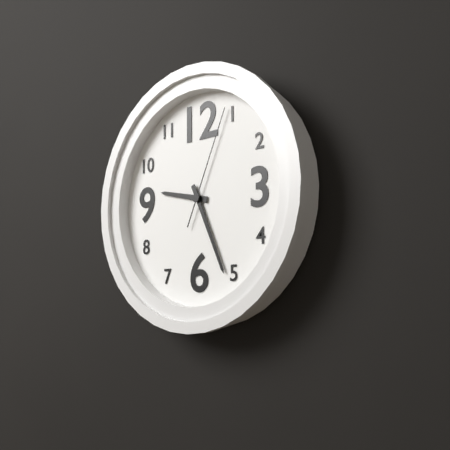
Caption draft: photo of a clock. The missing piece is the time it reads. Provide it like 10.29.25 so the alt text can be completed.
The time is 9.26.04
